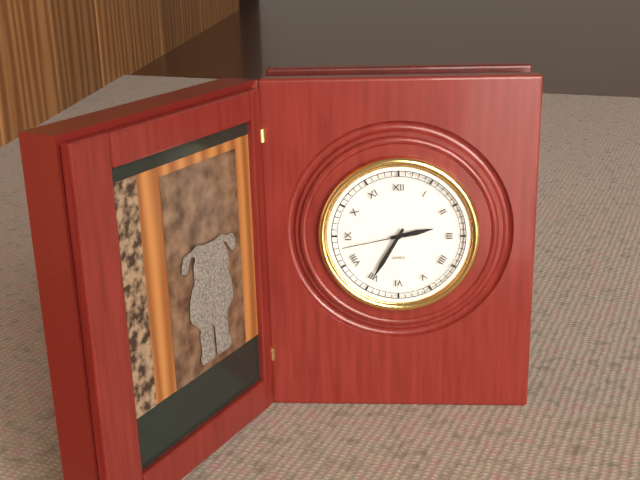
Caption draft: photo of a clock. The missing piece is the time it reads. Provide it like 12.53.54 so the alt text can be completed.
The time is 2.35.43
